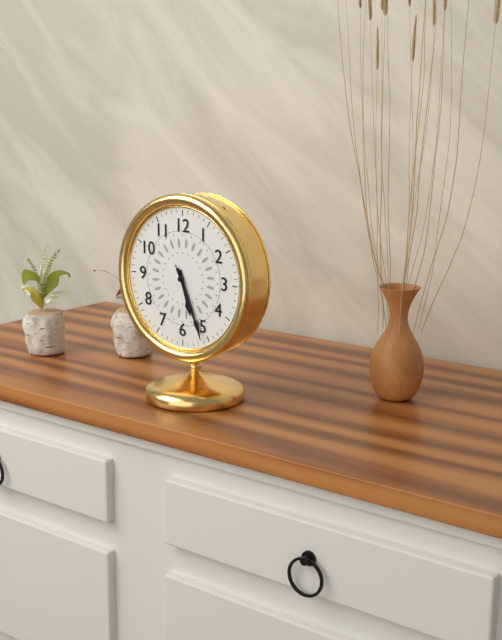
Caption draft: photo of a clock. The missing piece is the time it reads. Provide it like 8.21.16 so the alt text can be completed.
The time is 5.26.26
